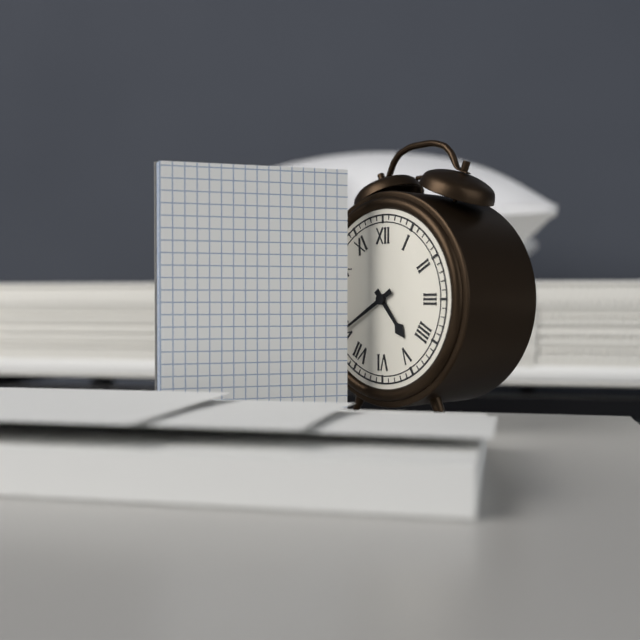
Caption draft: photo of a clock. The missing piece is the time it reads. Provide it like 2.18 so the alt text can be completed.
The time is 4.40
